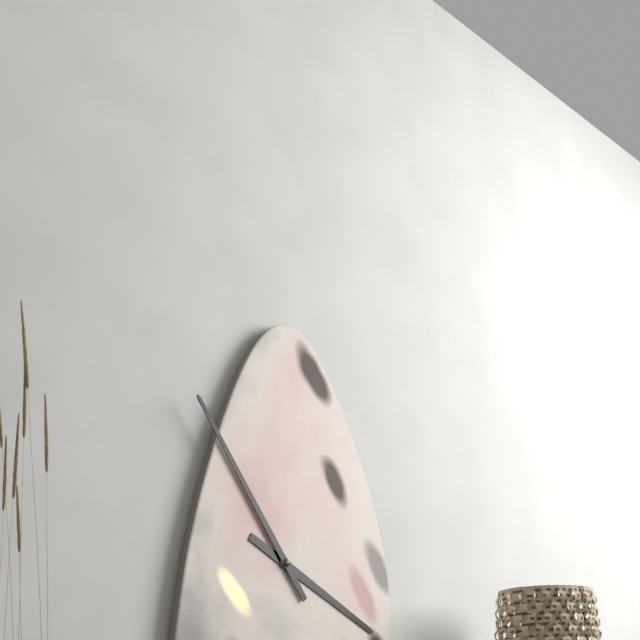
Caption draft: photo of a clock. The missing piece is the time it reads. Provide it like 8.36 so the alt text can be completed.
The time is 3.54
